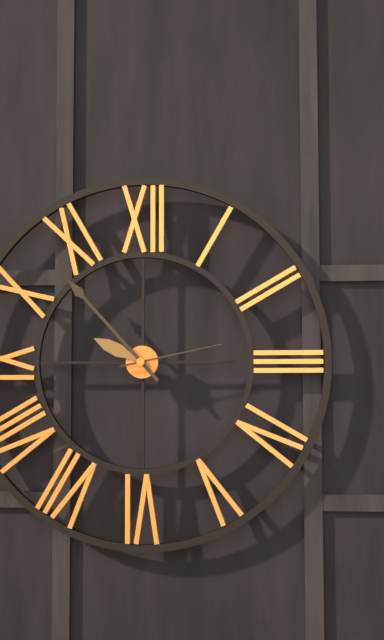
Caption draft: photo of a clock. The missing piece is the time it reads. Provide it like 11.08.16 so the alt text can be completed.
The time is 9.53.13
